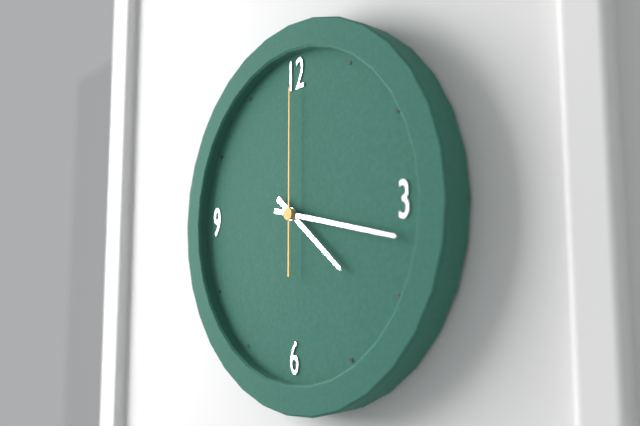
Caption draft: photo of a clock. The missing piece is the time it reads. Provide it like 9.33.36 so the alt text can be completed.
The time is 4.17.00
